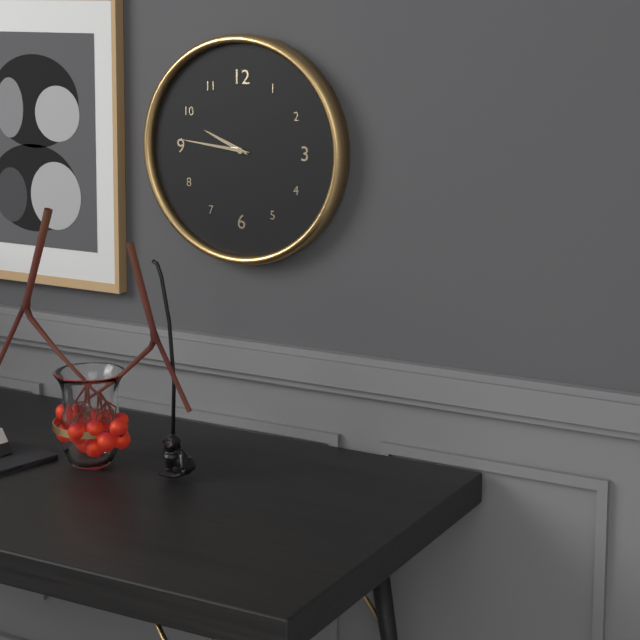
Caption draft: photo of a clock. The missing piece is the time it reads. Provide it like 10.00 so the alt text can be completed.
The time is 9.46
